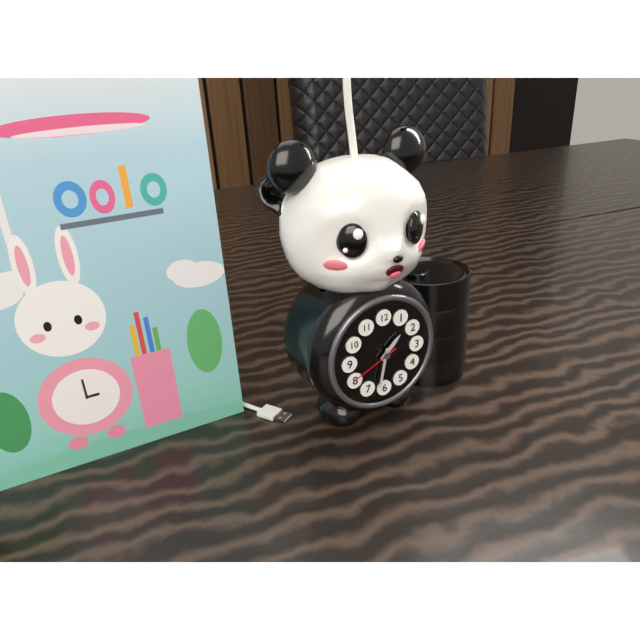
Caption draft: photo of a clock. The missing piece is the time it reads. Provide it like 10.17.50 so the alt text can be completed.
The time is 1.32.41
